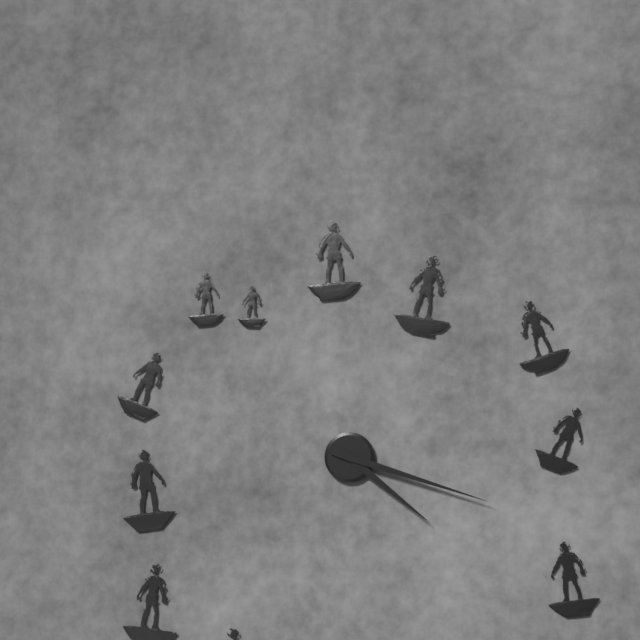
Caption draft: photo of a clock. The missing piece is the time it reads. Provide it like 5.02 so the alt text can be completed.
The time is 4.18
